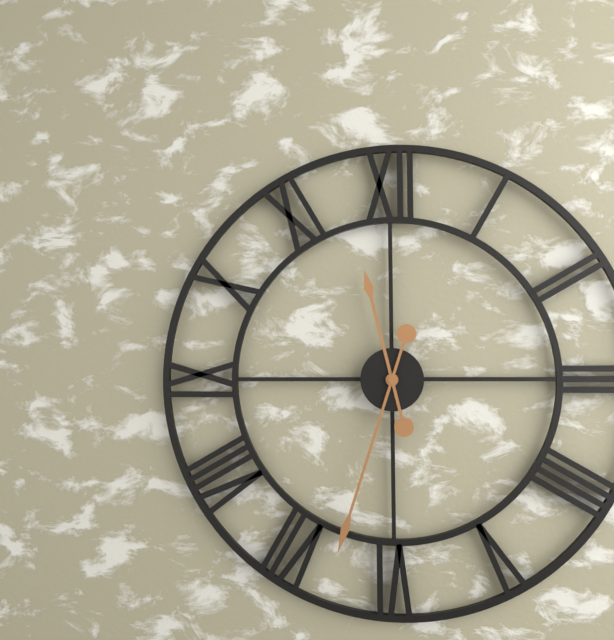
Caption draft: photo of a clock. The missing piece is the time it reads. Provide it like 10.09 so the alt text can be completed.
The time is 11.33
